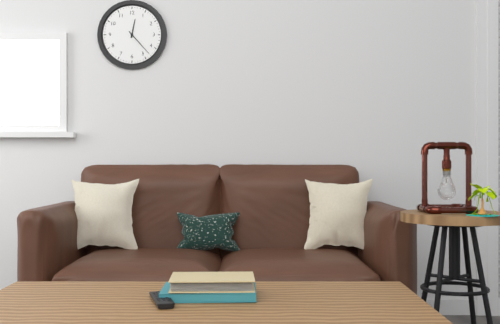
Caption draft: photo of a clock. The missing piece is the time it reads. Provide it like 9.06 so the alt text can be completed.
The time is 12.23
